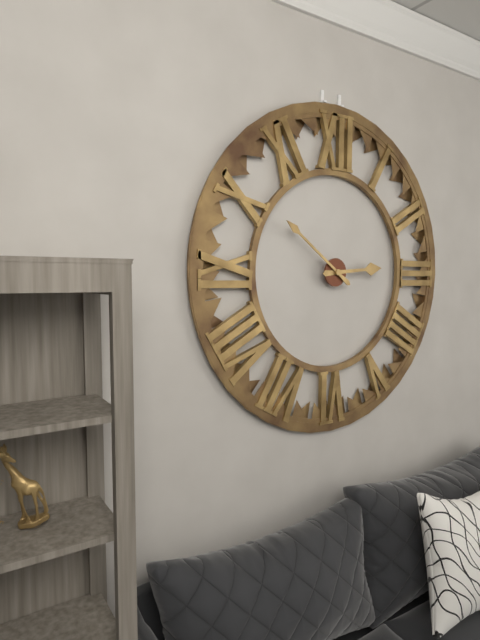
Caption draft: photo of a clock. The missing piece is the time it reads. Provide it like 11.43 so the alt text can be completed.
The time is 2.51
